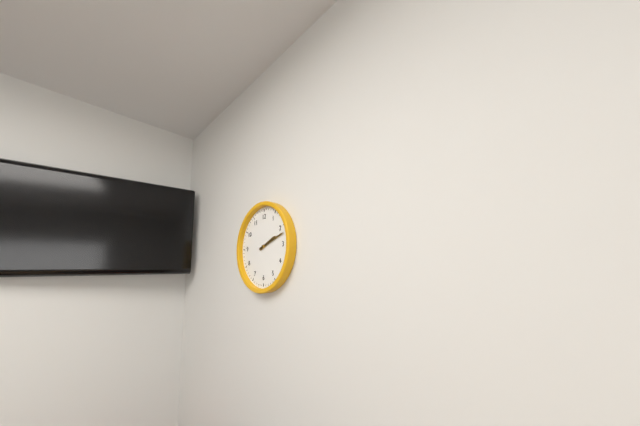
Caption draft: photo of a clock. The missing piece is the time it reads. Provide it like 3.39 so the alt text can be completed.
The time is 2.12
